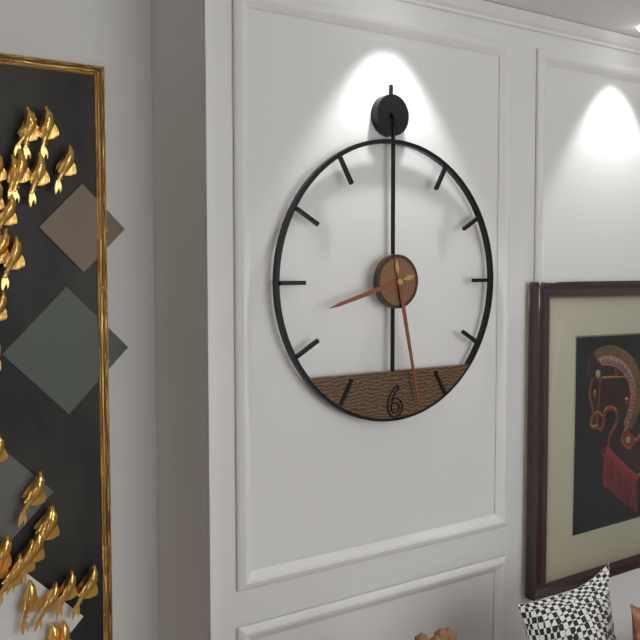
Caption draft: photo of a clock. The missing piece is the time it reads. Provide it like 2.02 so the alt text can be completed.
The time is 8.28
